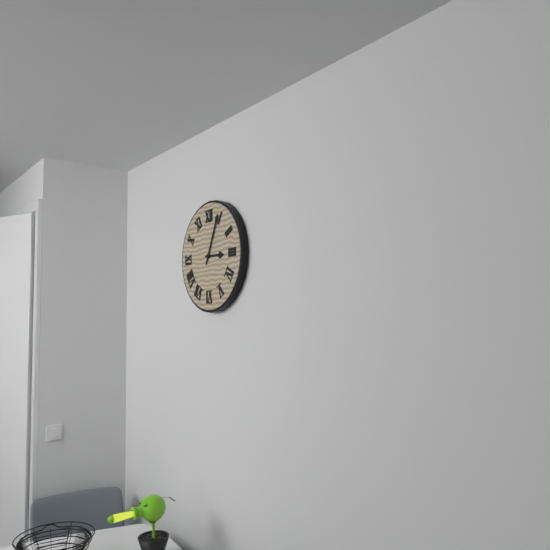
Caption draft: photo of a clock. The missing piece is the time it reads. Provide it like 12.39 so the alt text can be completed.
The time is 3.04
